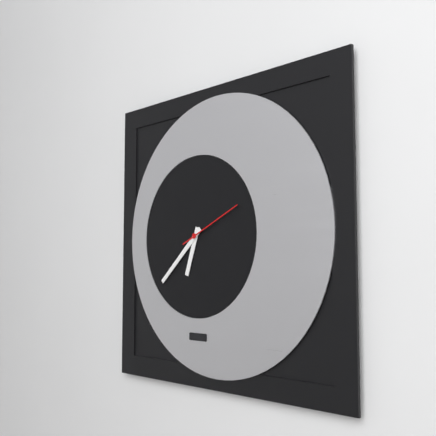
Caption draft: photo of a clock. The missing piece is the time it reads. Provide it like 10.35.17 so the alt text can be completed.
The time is 6.38.11
